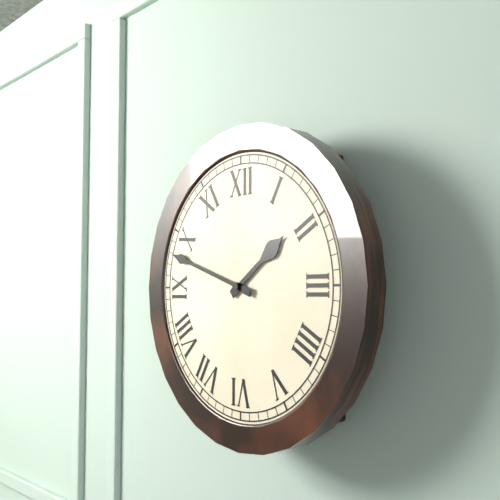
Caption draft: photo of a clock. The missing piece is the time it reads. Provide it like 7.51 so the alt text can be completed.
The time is 1.48
